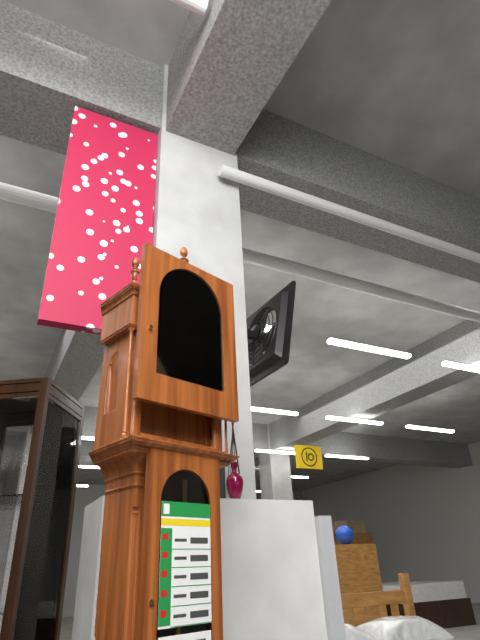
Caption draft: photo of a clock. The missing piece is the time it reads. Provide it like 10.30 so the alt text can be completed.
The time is 11.29
